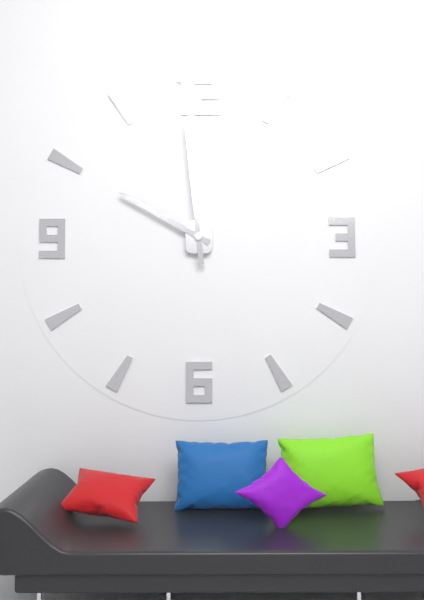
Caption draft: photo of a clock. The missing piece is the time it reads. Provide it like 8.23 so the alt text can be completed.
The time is 9.59
